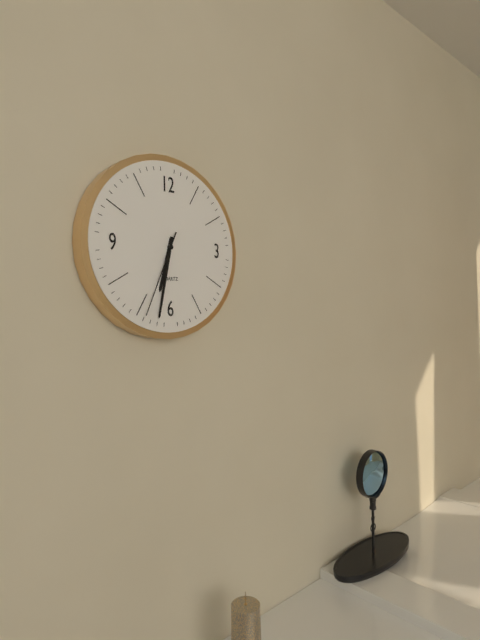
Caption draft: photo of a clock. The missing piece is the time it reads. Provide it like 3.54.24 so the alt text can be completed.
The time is 6.32.34
